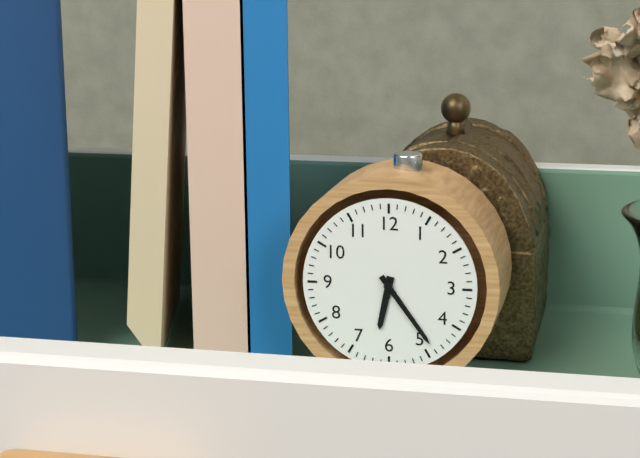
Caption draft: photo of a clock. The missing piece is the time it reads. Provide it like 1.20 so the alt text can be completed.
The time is 6.24
